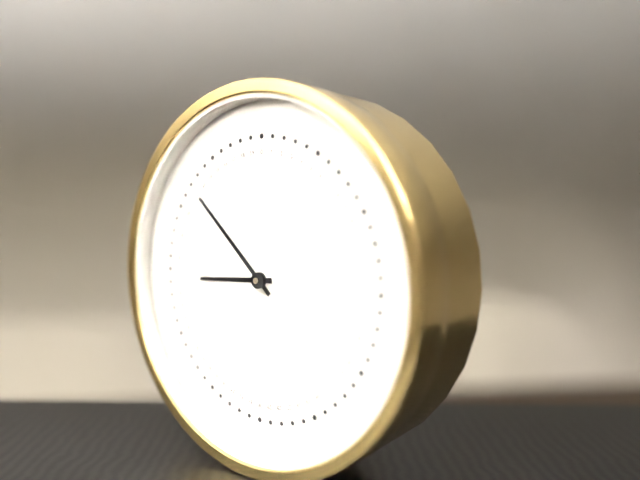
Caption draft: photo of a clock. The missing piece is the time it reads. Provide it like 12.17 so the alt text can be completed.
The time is 8.52
